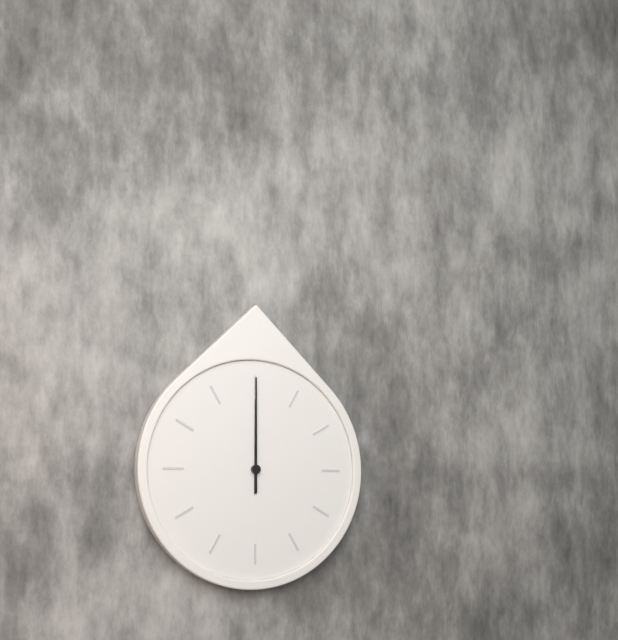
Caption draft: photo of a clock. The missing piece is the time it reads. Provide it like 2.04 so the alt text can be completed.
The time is 12.00
